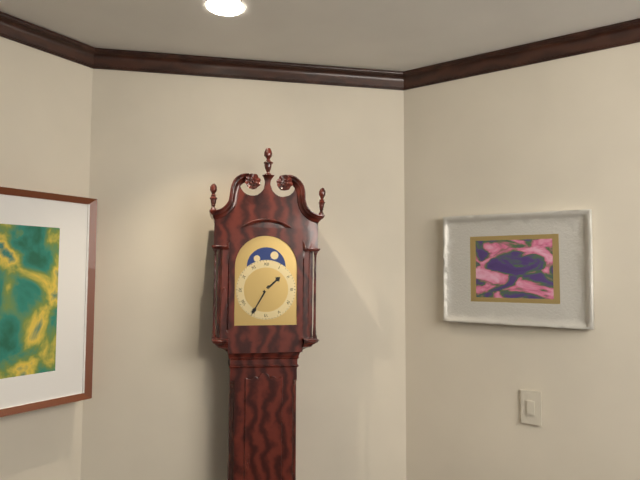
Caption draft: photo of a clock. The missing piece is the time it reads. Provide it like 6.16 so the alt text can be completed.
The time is 1.35
